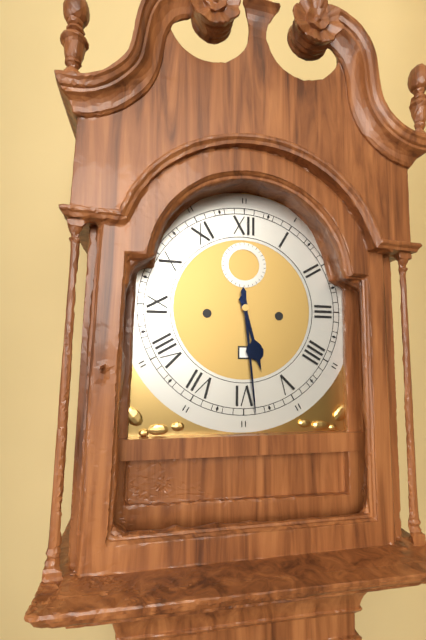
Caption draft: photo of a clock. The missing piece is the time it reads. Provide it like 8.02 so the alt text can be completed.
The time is 5.29
